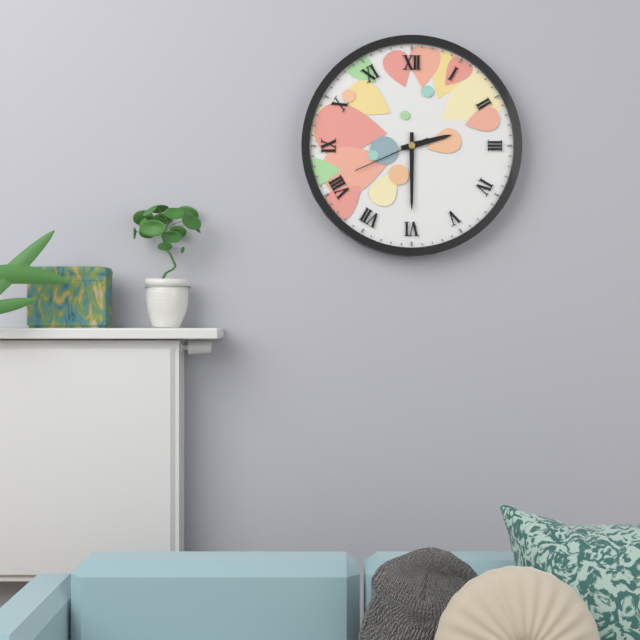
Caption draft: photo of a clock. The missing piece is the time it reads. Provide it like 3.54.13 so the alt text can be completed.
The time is 2.30.41
